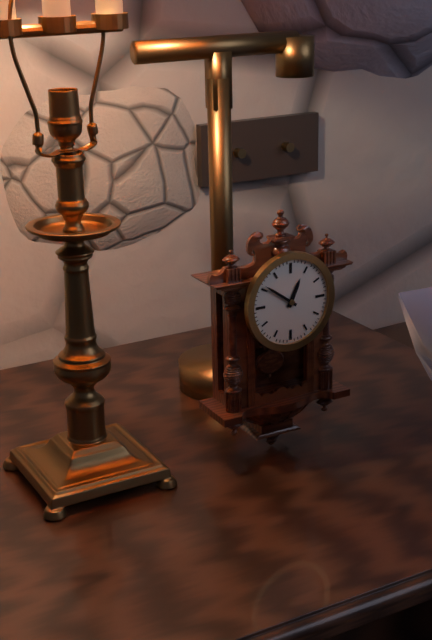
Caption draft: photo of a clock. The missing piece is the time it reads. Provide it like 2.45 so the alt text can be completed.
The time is 12.51
